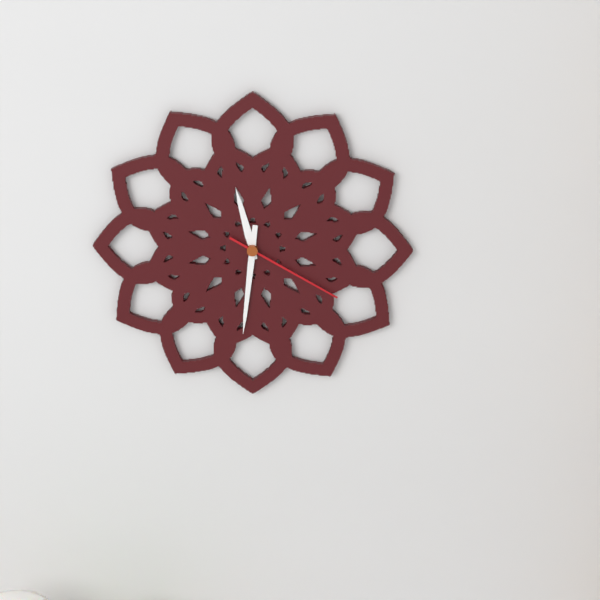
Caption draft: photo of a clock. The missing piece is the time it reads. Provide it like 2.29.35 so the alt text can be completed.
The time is 11.31.20
